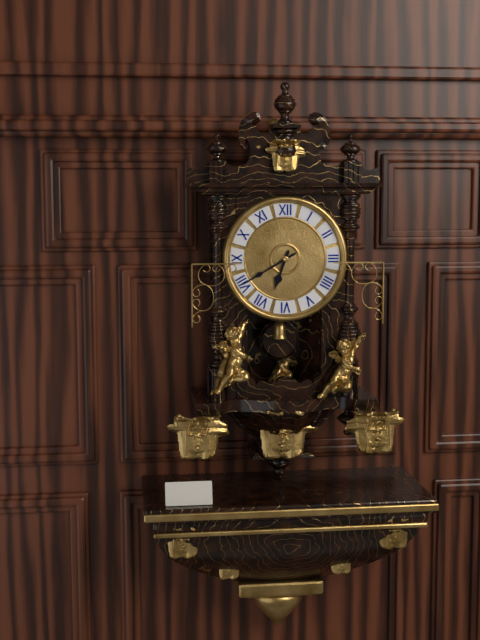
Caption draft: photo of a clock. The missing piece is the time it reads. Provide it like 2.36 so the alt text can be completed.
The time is 6.40
